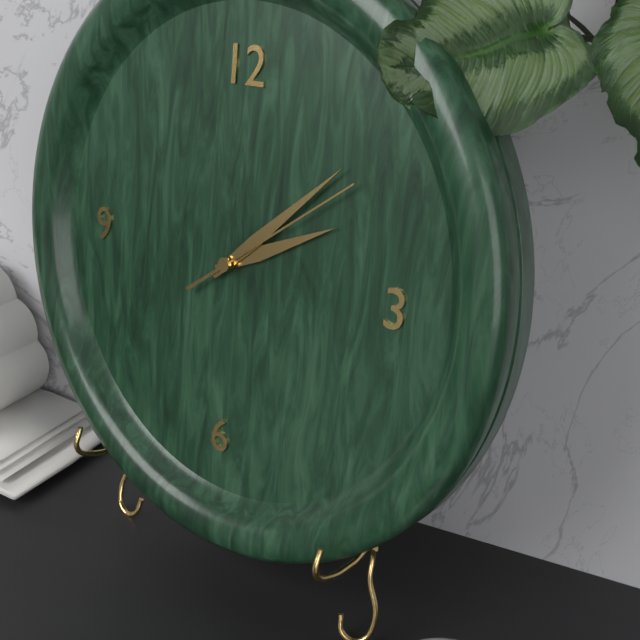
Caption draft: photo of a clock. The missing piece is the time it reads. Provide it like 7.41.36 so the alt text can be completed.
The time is 2.08.09
